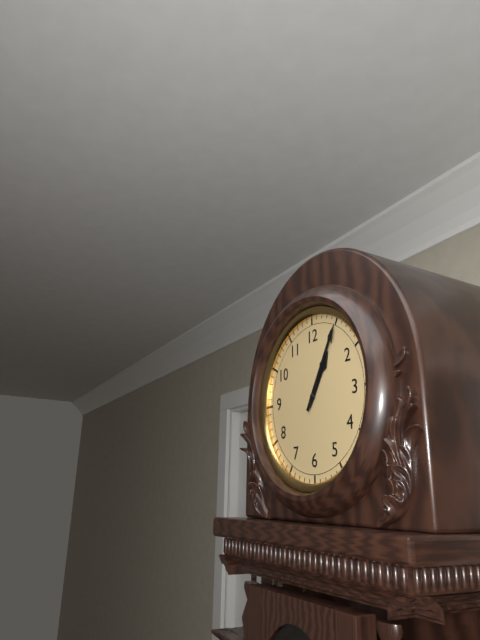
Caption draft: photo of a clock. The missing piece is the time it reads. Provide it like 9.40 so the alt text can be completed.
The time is 1.05
